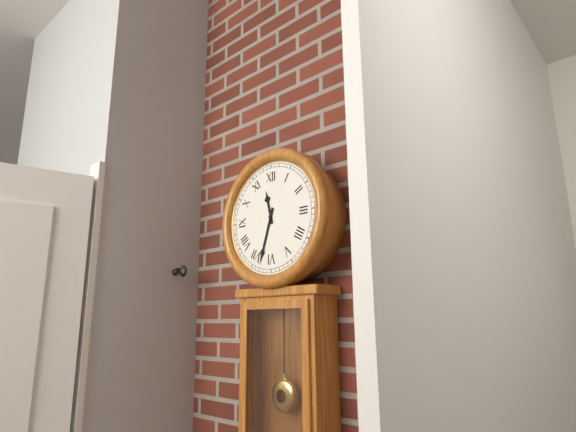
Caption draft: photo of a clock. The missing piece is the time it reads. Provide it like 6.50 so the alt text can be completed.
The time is 11.33
